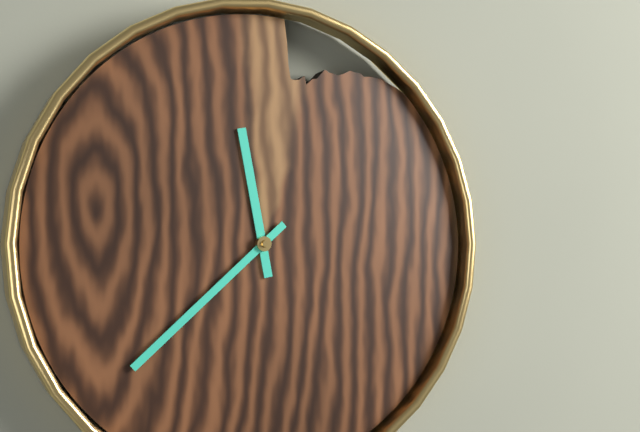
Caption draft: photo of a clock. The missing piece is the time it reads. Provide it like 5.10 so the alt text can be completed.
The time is 11.38
